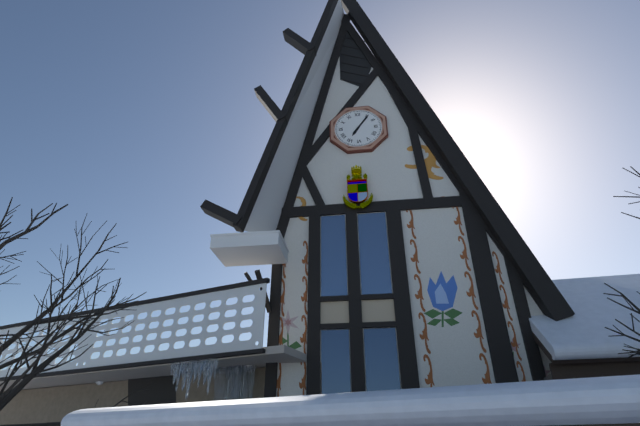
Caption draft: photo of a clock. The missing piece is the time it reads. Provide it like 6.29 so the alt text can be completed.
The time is 7.06
